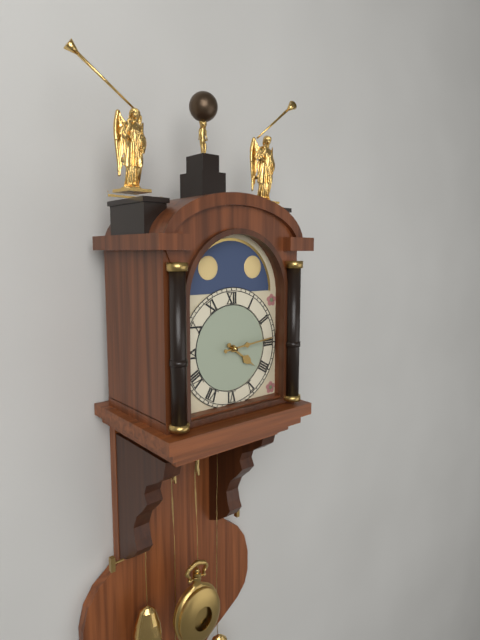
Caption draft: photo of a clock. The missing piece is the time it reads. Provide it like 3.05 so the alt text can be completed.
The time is 4.14
